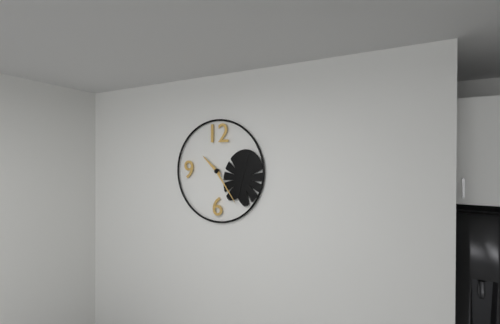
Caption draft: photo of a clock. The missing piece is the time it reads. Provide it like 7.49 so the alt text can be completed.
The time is 10.24
